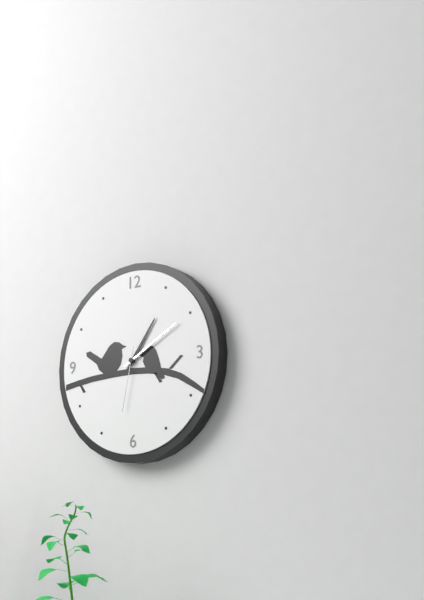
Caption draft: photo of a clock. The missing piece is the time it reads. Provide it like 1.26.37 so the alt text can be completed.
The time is 1.10.32
